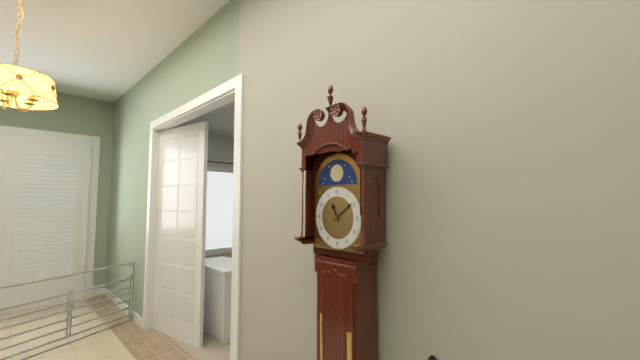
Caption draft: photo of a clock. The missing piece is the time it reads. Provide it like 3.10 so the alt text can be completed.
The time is 11.09
